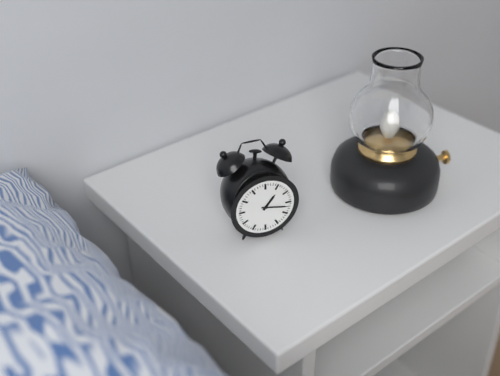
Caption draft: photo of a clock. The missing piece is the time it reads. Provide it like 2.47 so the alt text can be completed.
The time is 1.17
